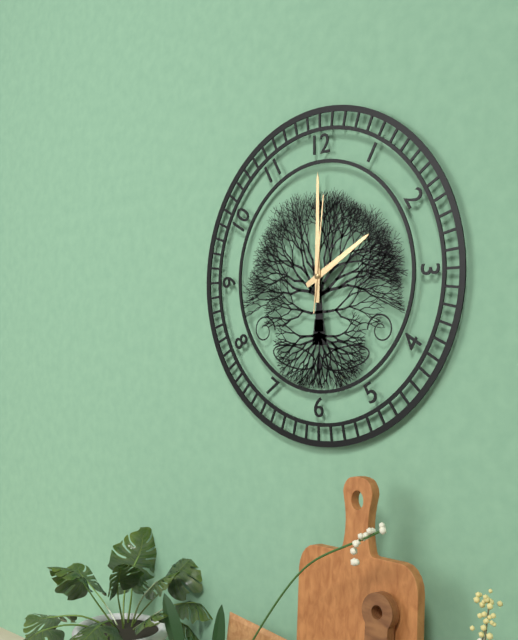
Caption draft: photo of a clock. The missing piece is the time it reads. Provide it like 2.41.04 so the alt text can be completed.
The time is 2.00.01
